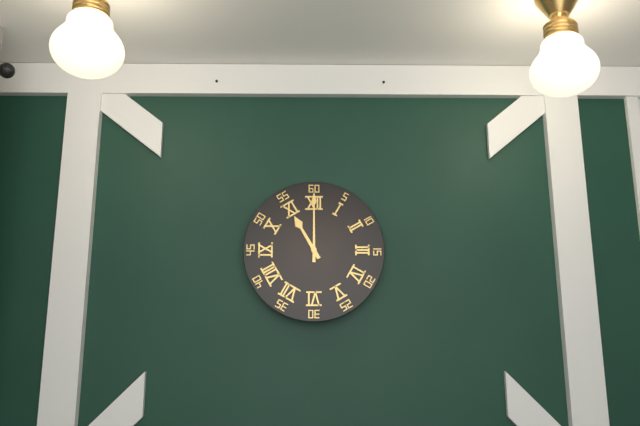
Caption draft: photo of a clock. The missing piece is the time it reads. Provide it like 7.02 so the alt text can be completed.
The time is 11.00
